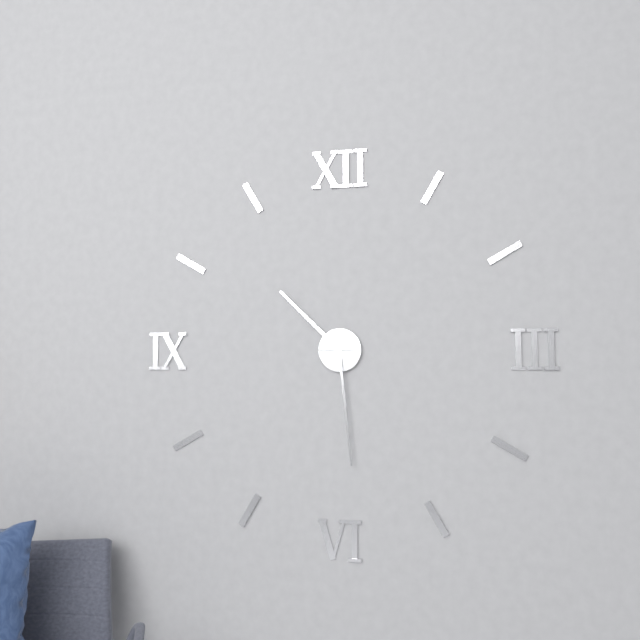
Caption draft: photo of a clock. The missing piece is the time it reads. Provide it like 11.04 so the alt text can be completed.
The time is 10.29
